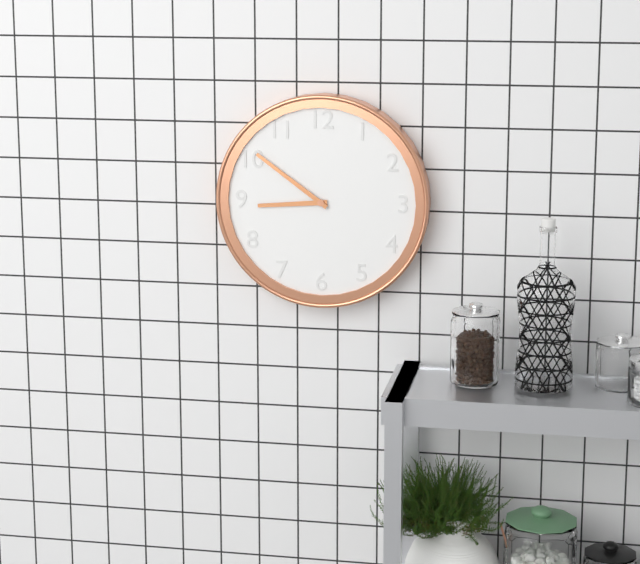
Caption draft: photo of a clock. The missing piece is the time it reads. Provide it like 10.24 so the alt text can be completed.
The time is 8.51
